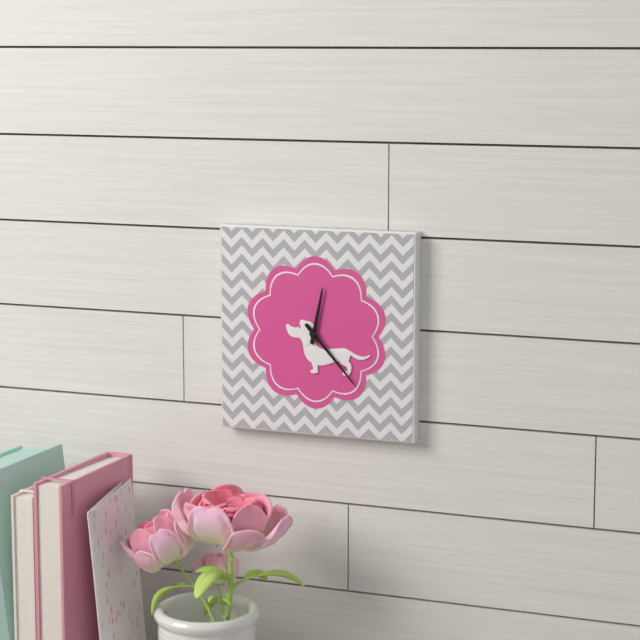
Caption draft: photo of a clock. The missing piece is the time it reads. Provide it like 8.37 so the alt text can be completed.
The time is 12.23
